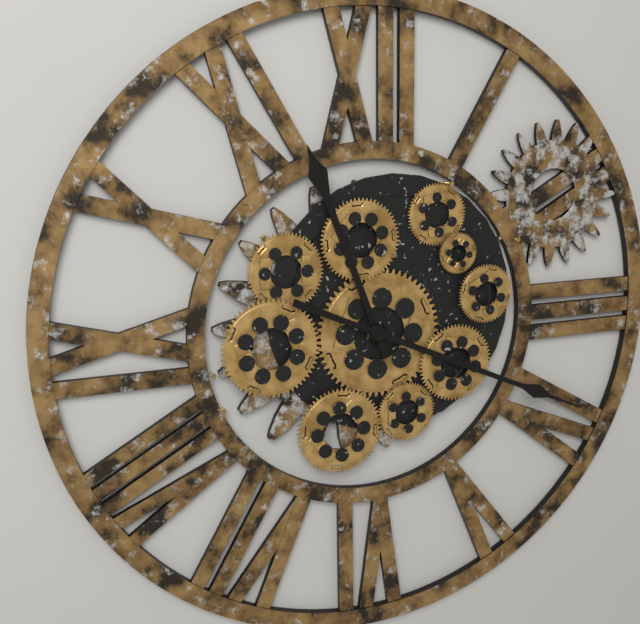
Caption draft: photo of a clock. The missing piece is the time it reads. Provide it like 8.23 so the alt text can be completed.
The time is 11.19
